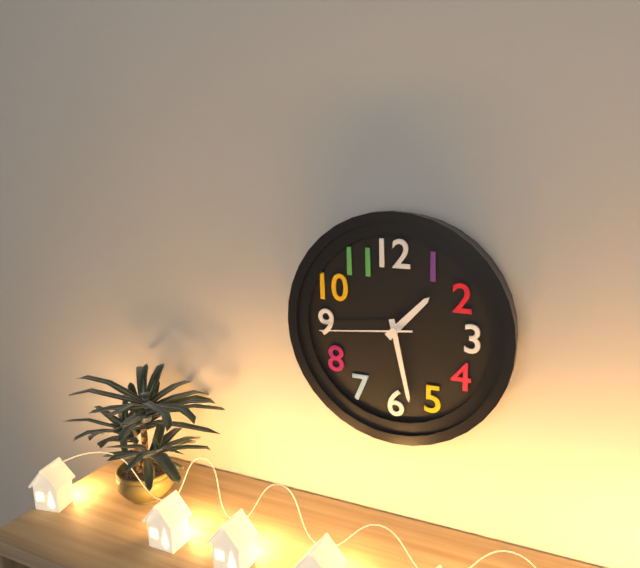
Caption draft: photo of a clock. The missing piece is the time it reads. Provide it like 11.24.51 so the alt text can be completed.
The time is 1.28.44
